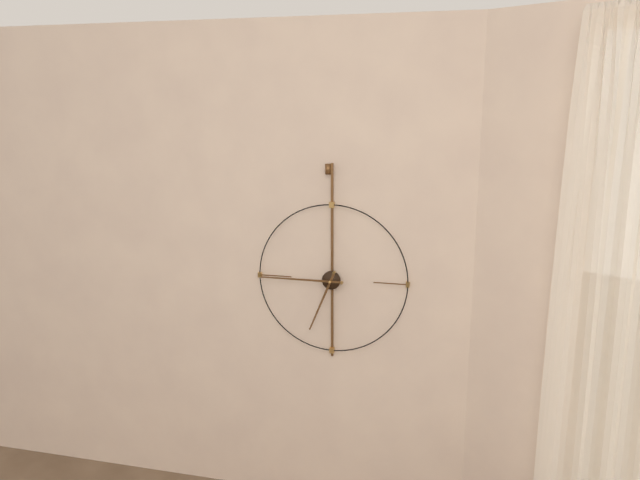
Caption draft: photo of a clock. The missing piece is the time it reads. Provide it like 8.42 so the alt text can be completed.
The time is 6.45
